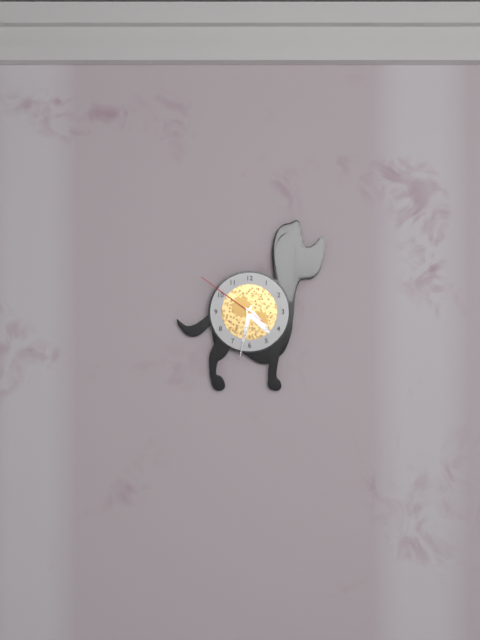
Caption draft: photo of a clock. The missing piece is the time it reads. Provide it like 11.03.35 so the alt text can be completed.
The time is 4.32.51
